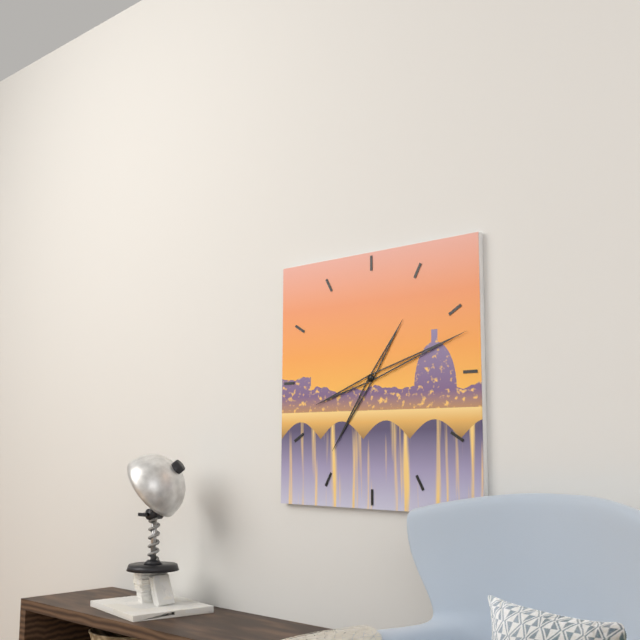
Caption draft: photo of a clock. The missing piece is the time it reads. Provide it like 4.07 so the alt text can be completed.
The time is 7.12
